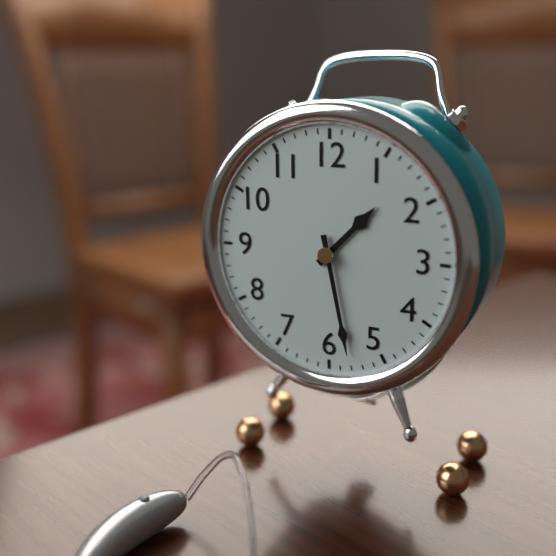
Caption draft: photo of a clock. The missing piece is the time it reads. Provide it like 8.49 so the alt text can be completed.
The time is 1.28
